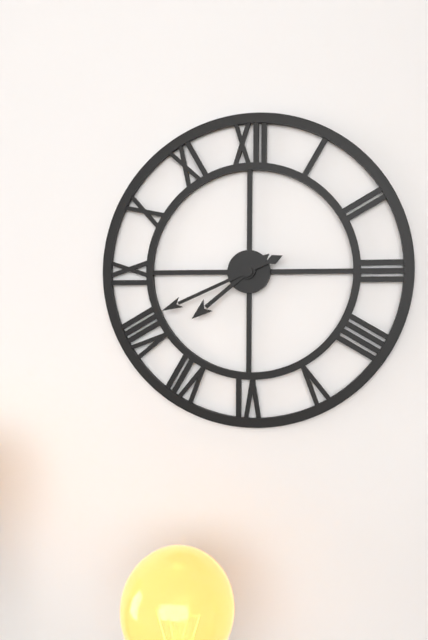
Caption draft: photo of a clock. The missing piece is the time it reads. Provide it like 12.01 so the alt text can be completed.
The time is 7.41
